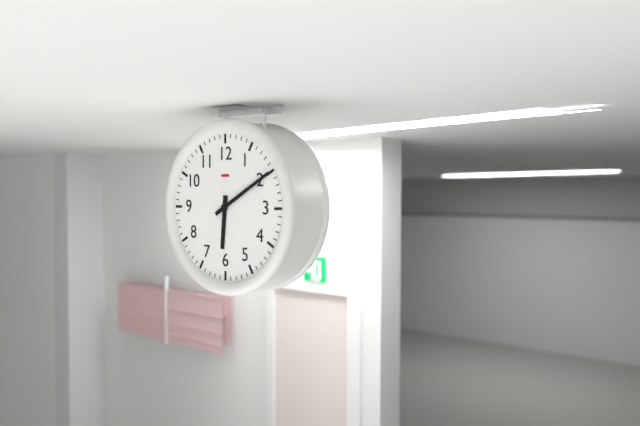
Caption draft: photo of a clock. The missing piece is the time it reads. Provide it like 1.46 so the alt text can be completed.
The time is 6.10
